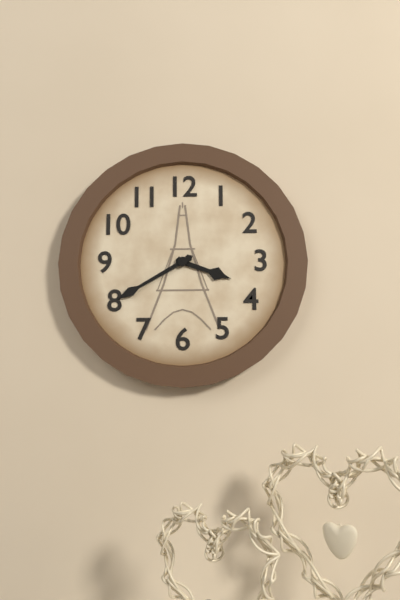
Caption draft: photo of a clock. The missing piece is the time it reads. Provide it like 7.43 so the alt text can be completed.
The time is 3.40
